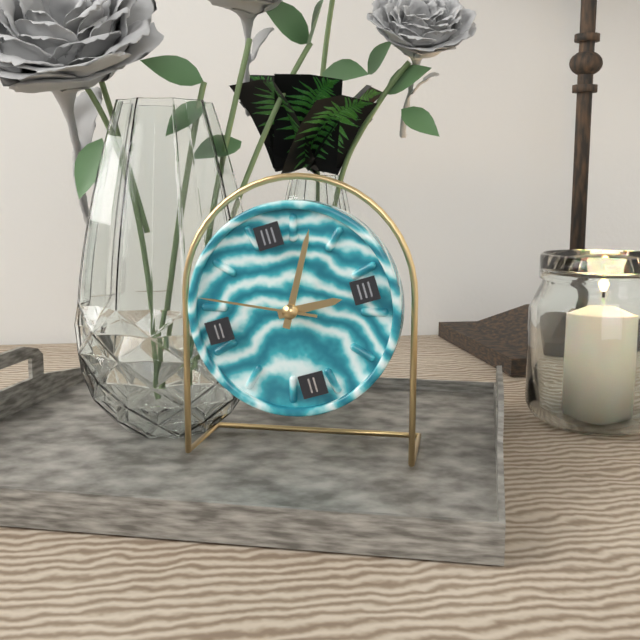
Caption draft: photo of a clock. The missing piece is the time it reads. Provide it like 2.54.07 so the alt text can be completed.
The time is 3.05.49
